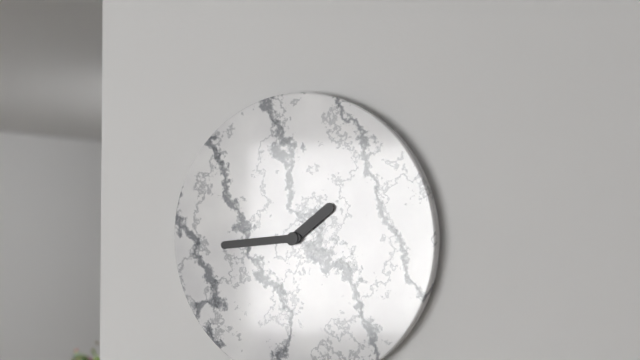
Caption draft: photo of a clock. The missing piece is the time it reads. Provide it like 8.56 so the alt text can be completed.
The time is 1.44
